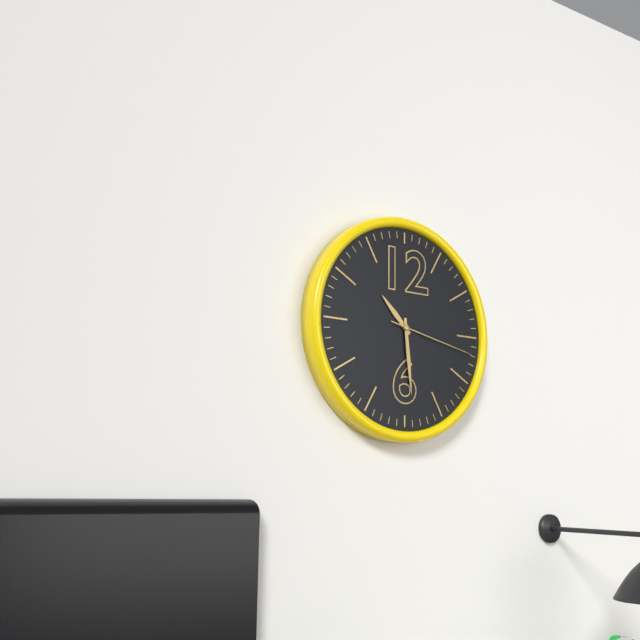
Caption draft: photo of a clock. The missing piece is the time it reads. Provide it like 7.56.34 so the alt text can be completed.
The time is 10.29.17
